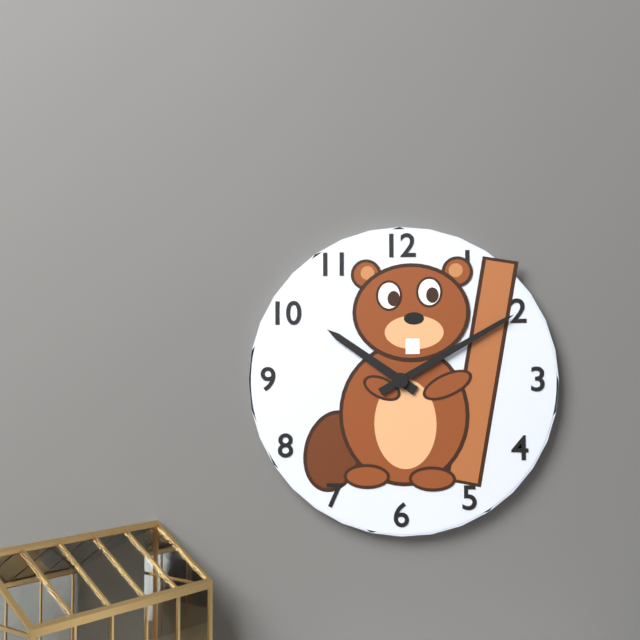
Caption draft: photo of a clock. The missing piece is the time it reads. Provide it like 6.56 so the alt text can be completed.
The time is 10.10
